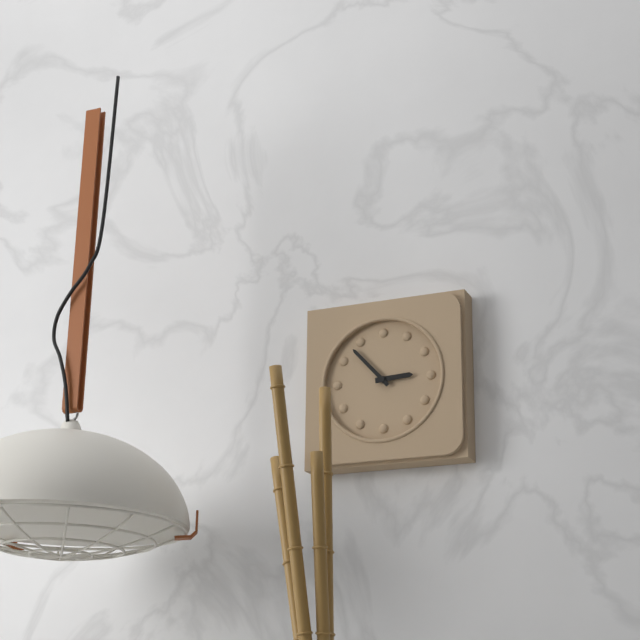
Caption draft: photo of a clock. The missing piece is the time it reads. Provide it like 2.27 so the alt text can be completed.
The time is 2.53
